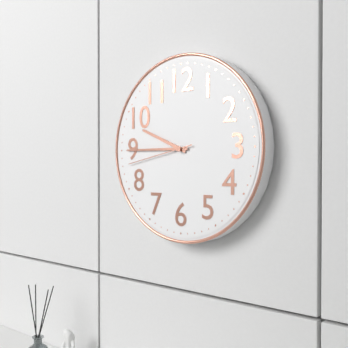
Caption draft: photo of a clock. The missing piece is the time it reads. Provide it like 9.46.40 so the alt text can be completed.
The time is 9.45.43
